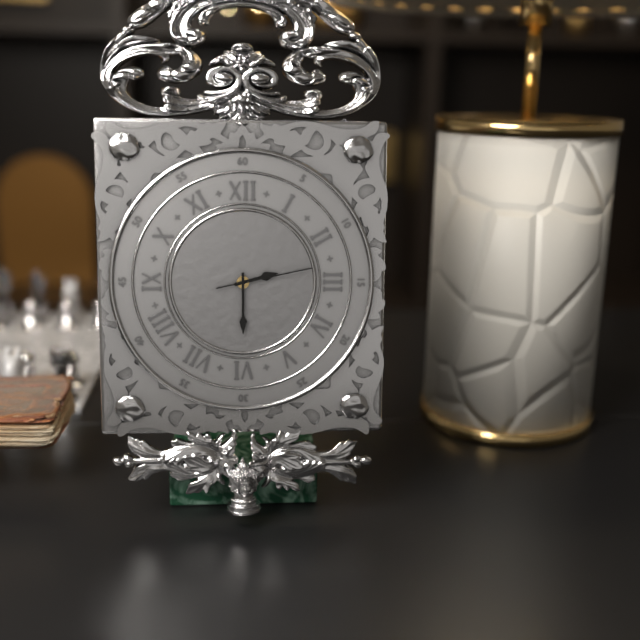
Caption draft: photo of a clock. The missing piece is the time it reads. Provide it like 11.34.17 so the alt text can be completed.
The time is 2.30.13
